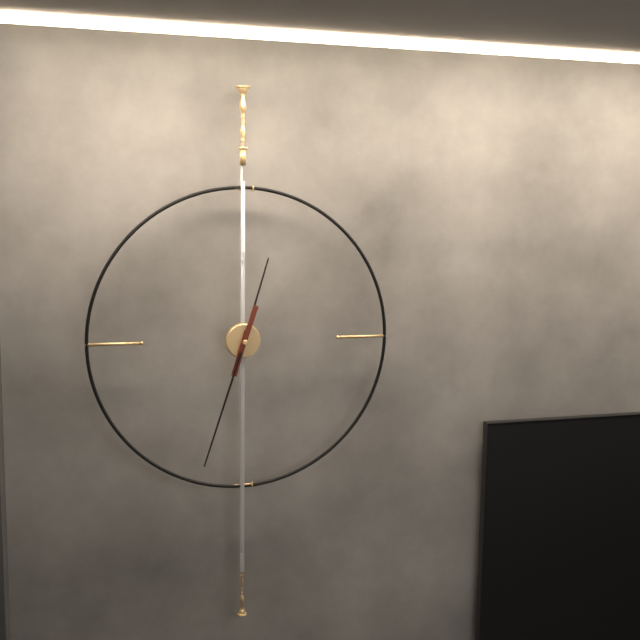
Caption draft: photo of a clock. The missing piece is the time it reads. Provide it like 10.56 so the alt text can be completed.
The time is 12.33
